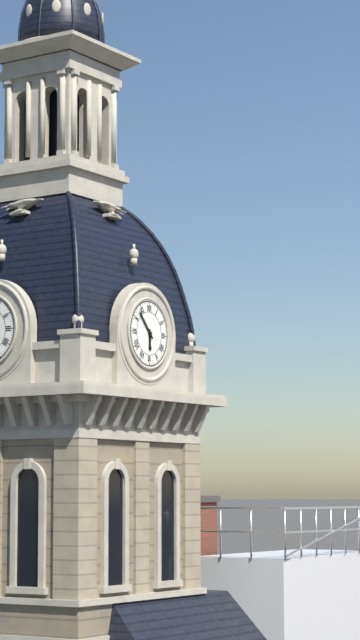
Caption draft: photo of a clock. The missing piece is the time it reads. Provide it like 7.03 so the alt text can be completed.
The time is 5.53
